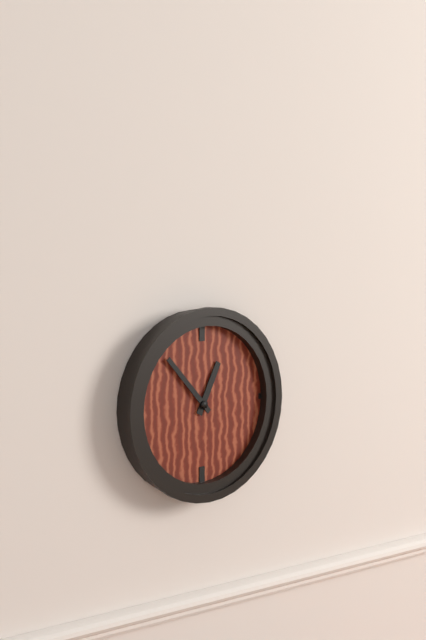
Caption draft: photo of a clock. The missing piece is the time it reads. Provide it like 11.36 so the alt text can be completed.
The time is 12.53
